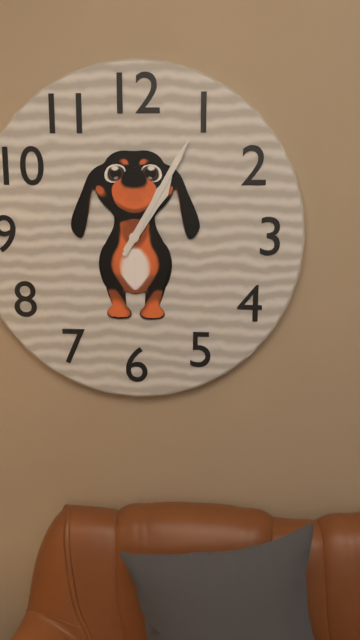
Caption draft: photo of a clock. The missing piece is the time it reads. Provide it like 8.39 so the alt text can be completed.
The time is 1.05
